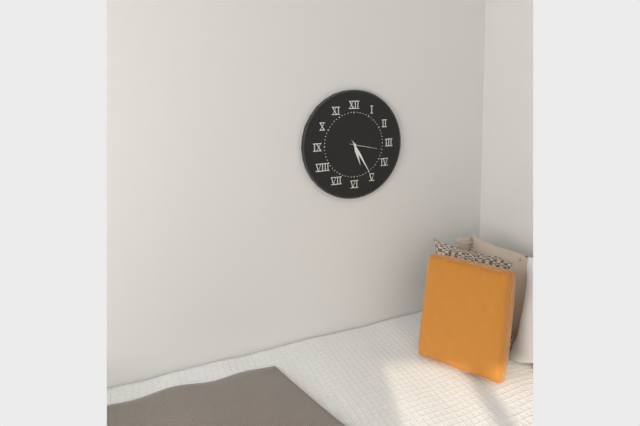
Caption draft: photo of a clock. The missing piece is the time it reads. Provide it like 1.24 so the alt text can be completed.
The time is 5.25
